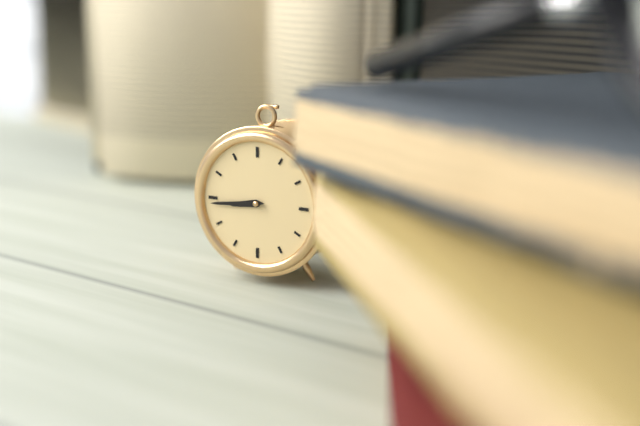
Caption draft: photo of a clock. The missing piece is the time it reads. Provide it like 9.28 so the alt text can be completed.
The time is 8.44
